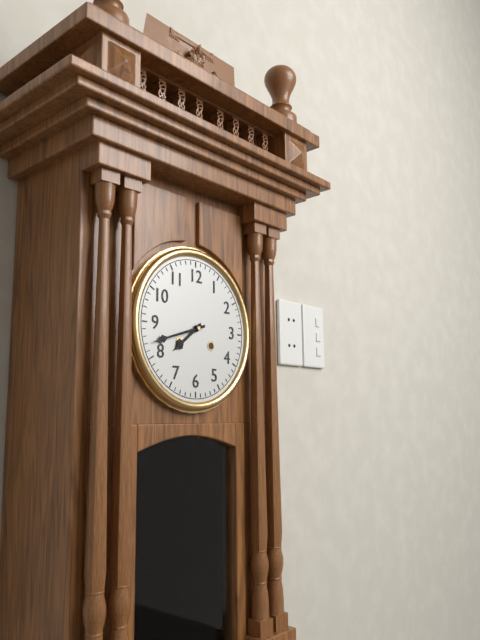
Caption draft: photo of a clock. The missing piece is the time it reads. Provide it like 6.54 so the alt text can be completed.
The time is 7.42
